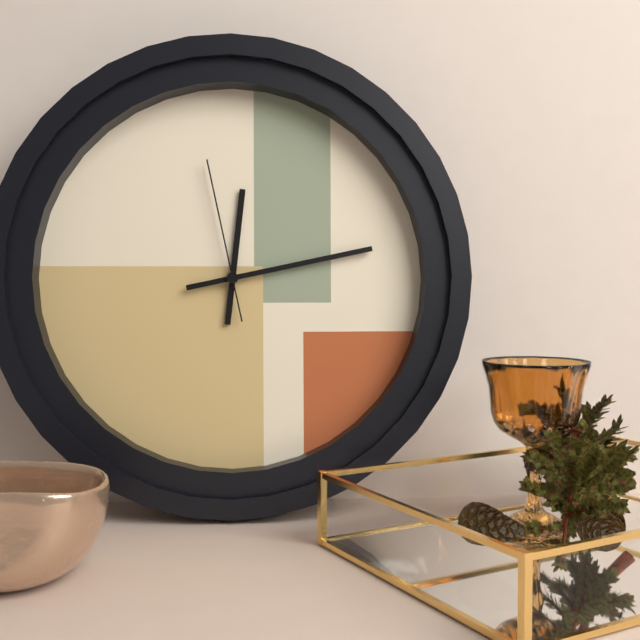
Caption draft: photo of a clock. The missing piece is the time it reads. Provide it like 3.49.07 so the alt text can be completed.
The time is 12.13.58
